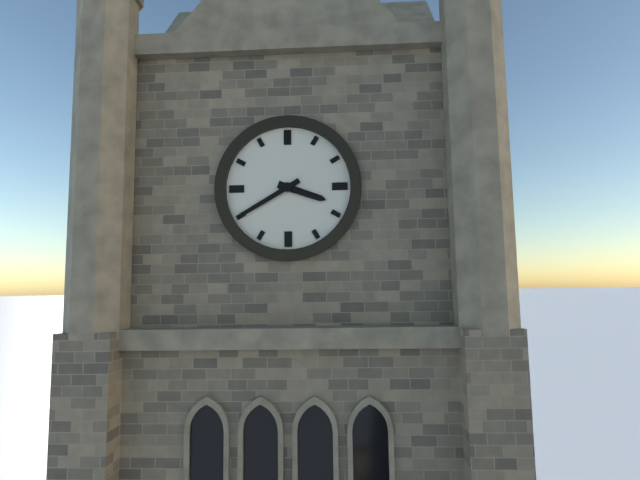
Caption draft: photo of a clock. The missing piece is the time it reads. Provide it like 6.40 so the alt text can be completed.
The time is 3.40
